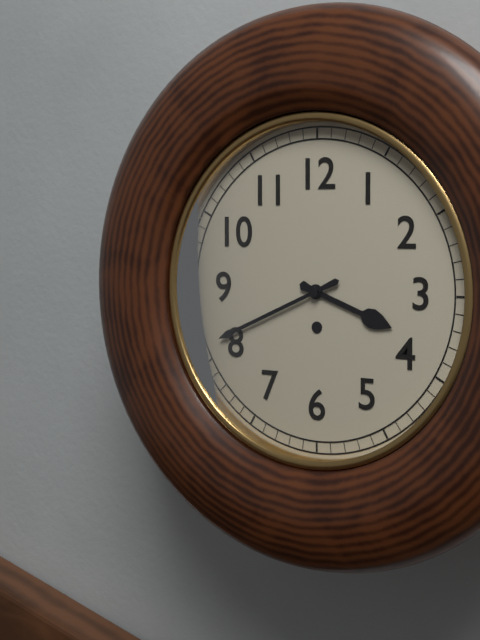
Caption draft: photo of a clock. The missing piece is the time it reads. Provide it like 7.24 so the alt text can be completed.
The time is 3.41
